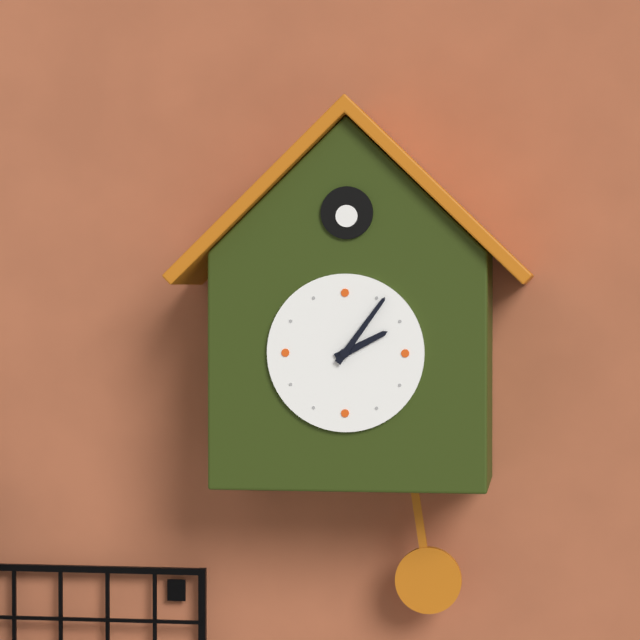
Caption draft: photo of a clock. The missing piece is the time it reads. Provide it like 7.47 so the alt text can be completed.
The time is 2.06
